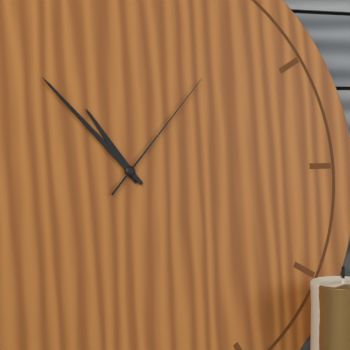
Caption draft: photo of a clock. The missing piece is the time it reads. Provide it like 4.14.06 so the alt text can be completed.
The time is 10.53.07
